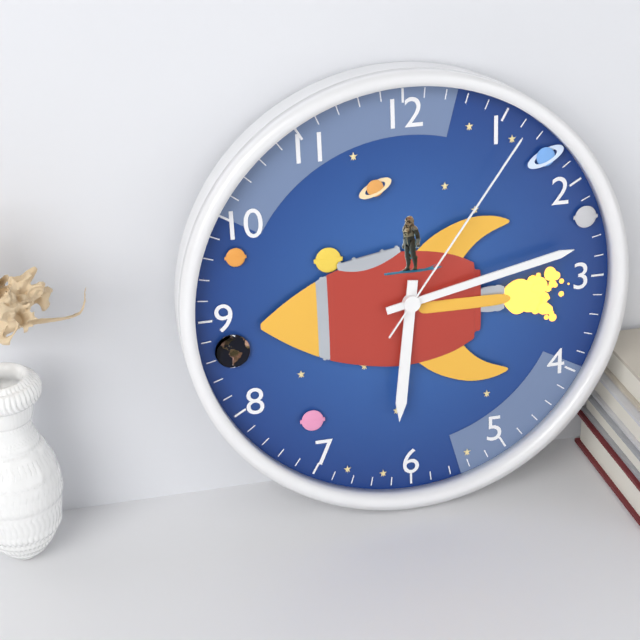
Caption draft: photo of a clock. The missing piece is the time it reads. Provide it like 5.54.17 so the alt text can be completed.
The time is 6.13.06
